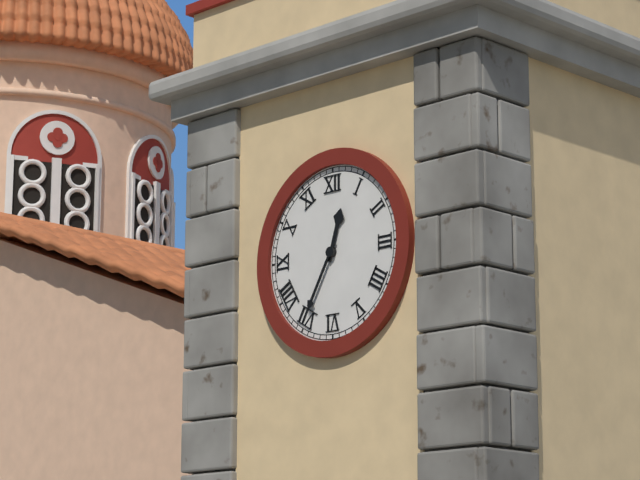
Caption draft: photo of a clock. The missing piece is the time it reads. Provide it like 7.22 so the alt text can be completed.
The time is 12.35
